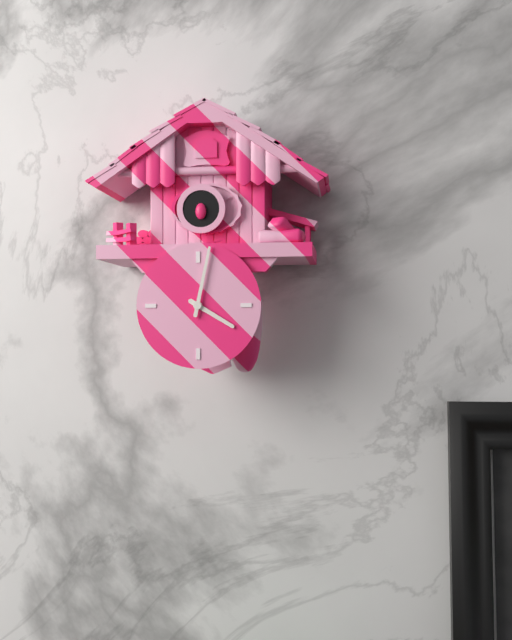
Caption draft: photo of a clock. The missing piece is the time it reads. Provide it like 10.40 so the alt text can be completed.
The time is 4.02
